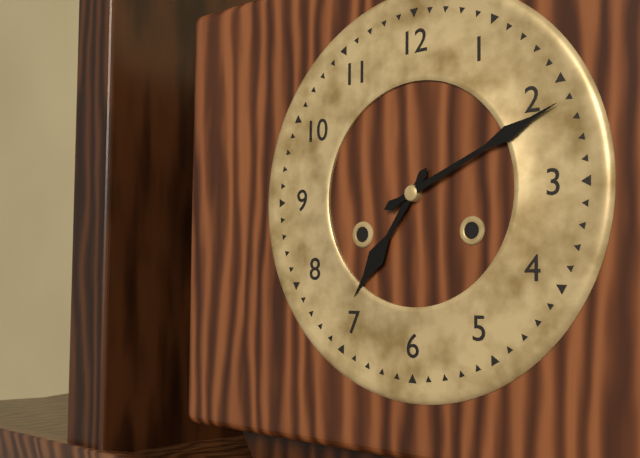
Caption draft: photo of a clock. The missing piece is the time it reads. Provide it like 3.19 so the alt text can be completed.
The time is 7.11
